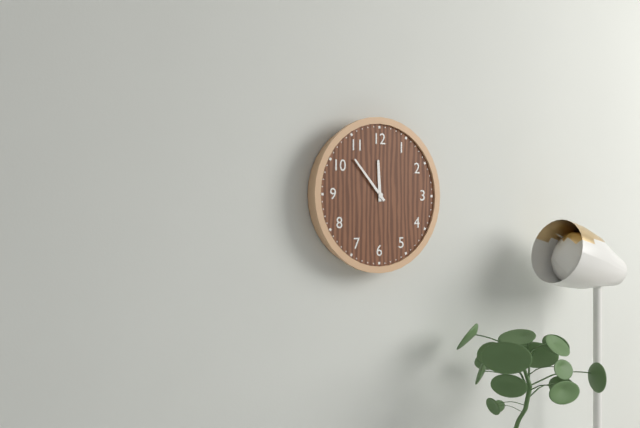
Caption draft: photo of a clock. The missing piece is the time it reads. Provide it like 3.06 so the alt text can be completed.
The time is 11.53
